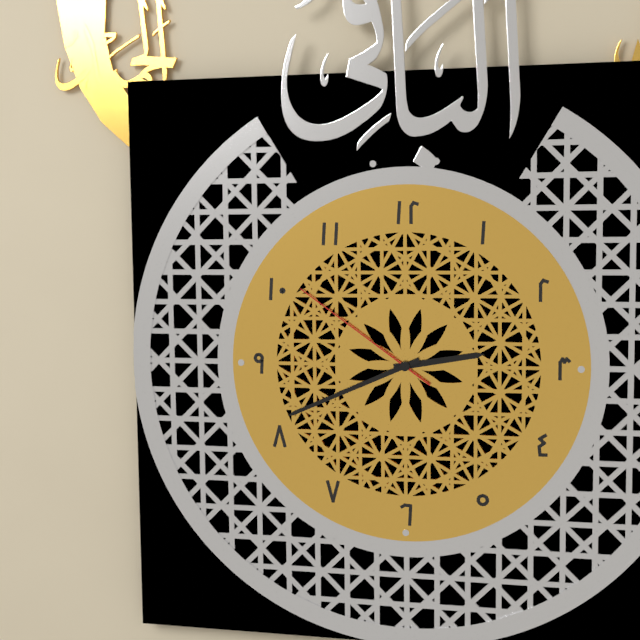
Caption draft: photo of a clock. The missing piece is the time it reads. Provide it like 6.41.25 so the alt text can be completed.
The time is 2.41.51
